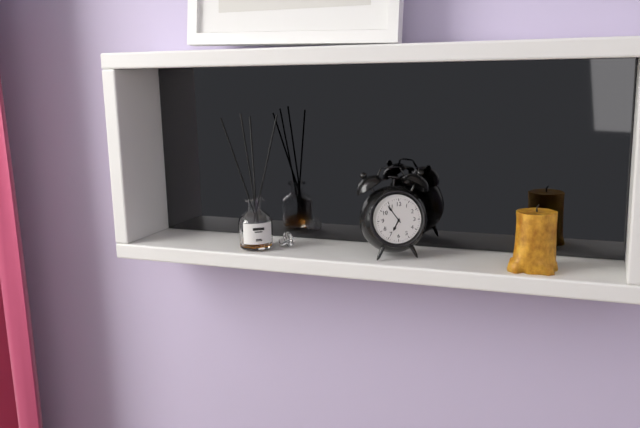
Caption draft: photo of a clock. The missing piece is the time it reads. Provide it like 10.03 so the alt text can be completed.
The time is 6.54
